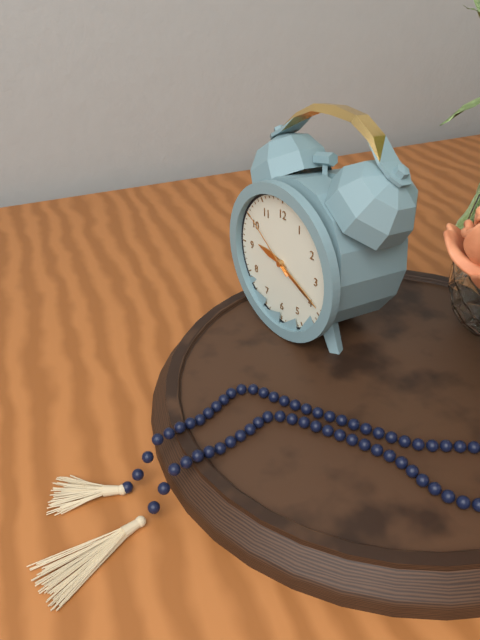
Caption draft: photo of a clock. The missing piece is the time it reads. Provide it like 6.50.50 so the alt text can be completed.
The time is 9.19.51
